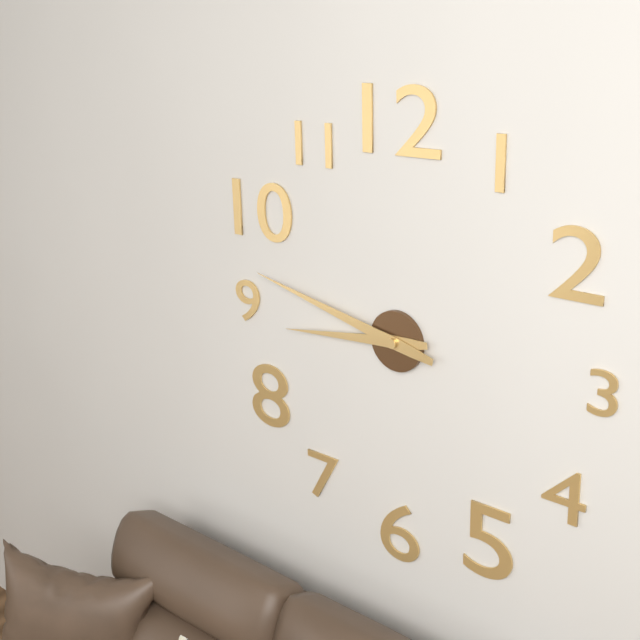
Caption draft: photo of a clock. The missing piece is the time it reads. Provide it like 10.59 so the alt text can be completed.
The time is 8.47
